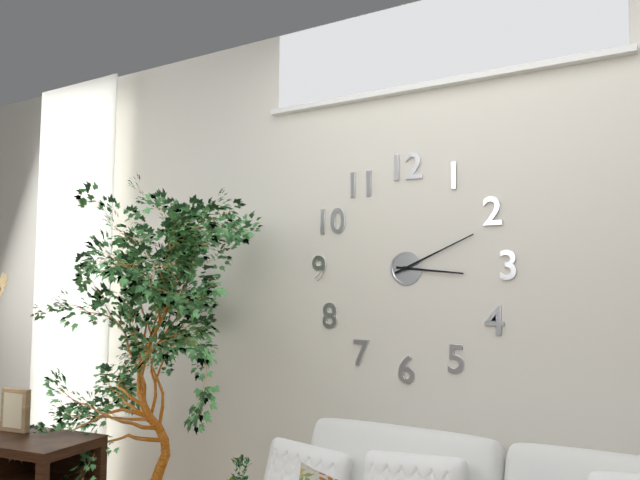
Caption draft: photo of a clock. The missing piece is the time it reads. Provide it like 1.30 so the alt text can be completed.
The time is 3.11
